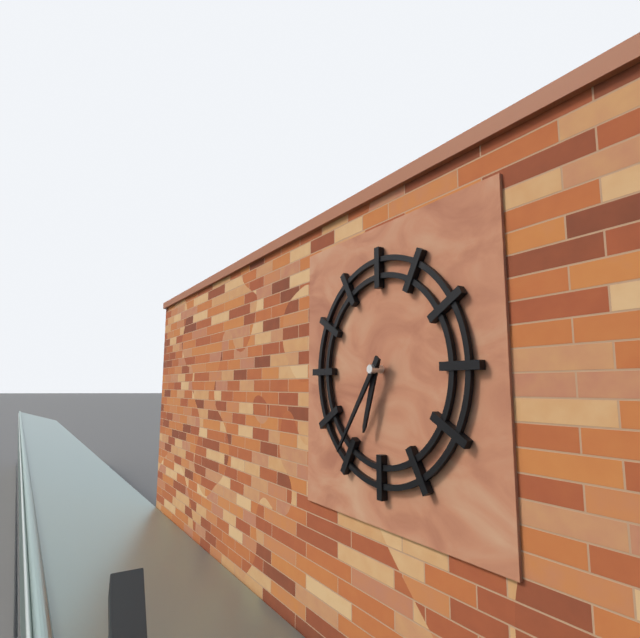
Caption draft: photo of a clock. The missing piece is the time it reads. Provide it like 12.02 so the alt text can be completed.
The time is 6.36
